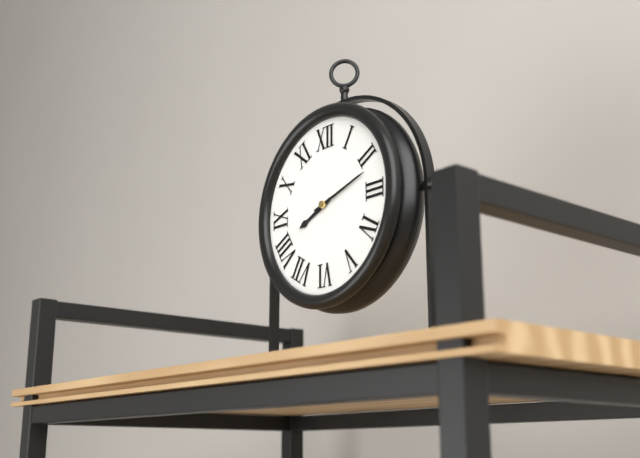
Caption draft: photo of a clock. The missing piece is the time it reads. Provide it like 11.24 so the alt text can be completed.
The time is 8.12
